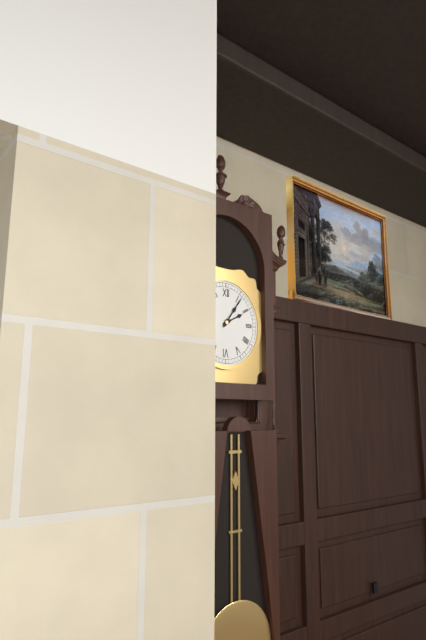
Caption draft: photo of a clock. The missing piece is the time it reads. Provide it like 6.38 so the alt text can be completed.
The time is 2.06
